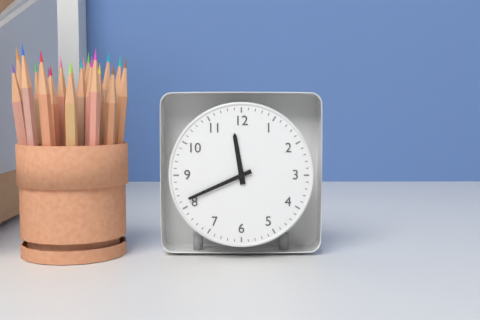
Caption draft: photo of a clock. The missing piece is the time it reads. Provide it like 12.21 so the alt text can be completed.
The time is 11.41
